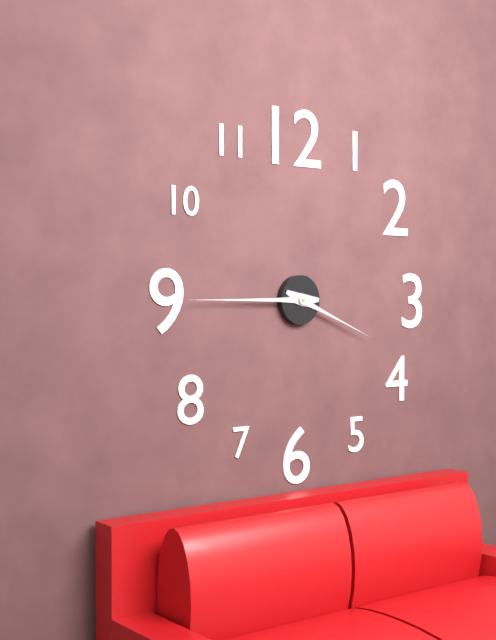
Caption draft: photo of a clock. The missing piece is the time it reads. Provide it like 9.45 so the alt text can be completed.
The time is 3.45
